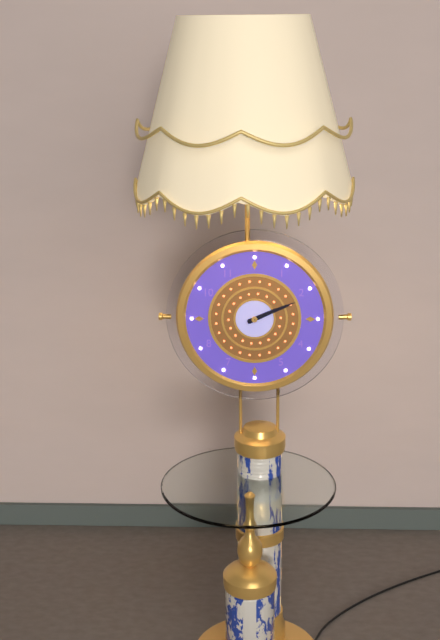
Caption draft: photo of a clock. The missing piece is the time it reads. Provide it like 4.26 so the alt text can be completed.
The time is 2.11
